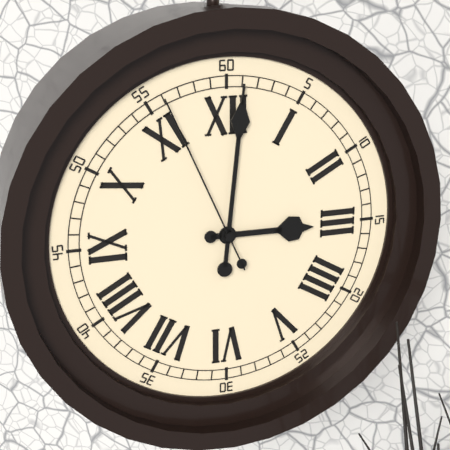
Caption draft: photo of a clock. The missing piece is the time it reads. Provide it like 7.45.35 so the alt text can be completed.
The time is 3.01.56
